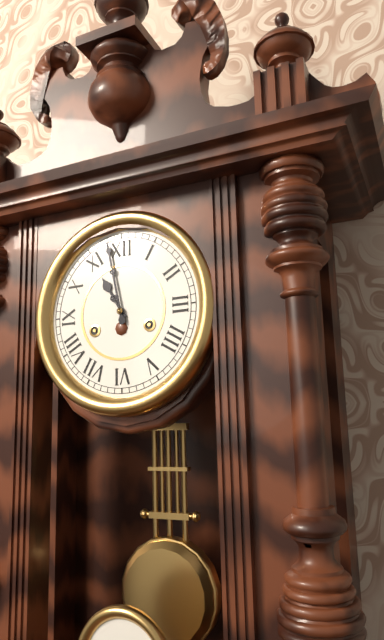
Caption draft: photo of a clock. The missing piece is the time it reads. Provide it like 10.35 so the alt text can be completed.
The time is 10.58
